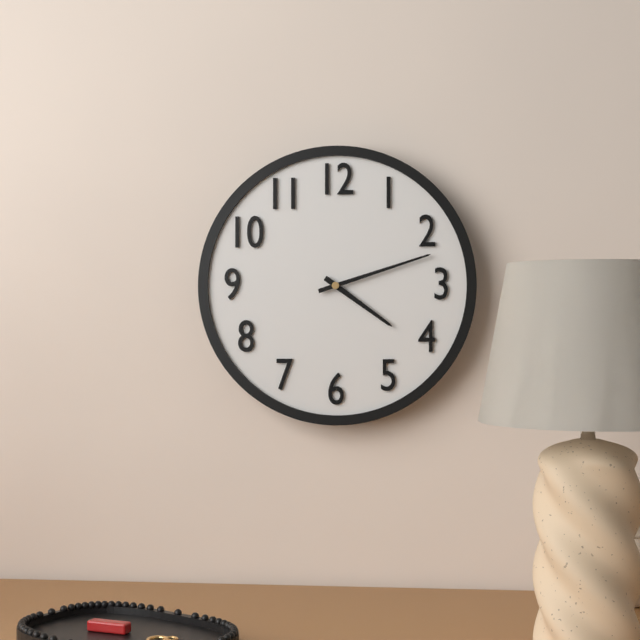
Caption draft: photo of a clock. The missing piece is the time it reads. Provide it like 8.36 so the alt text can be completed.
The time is 4.12
